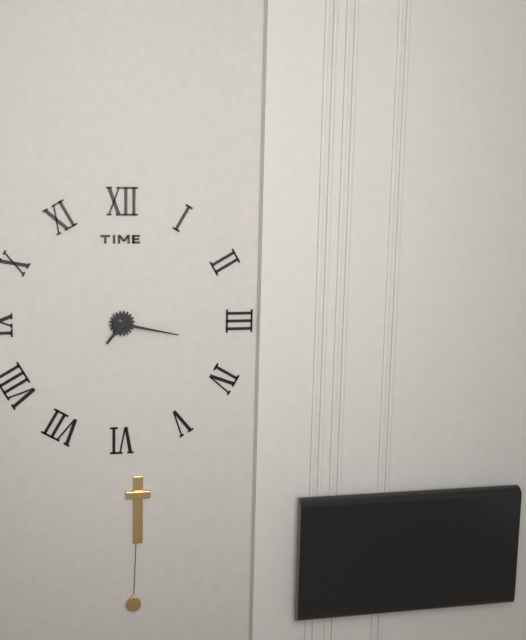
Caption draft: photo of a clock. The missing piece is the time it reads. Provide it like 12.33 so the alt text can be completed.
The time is 7.17
